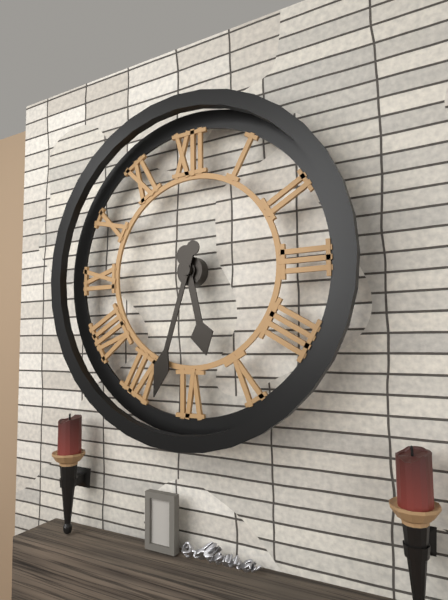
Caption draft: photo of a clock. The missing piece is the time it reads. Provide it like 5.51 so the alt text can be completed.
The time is 5.33
